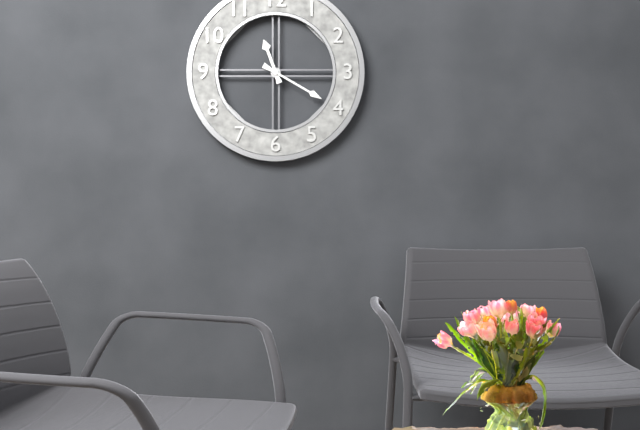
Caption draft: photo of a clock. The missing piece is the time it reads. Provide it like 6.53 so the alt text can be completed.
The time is 11.20
